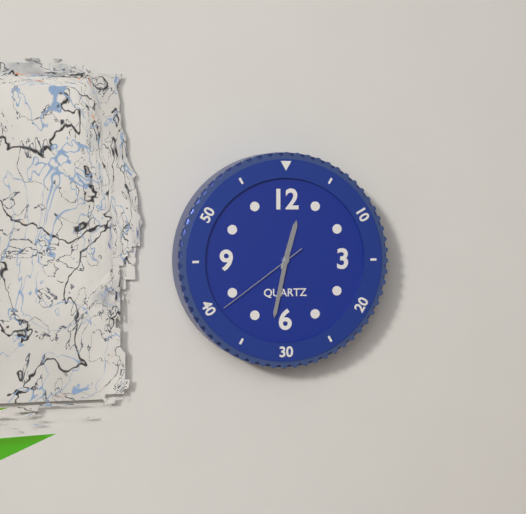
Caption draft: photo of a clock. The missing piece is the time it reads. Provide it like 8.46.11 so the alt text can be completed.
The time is 12.32.39
